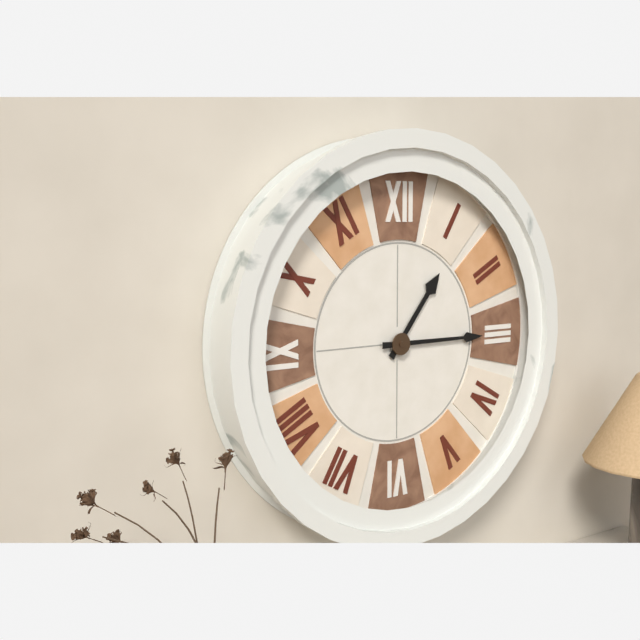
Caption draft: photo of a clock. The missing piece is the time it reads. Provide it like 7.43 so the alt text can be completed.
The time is 1.15
